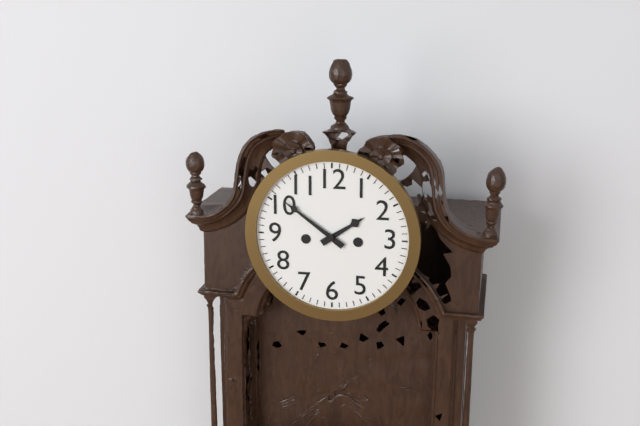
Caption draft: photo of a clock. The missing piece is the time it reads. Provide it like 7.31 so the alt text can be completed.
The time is 1.51
